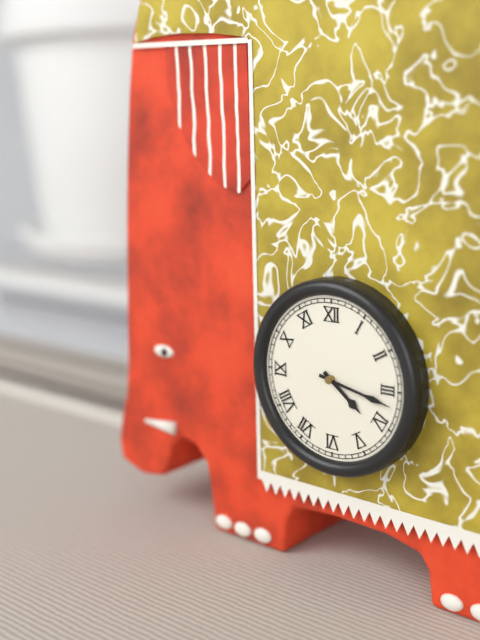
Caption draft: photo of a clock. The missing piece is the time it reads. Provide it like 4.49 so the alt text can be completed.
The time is 4.17
